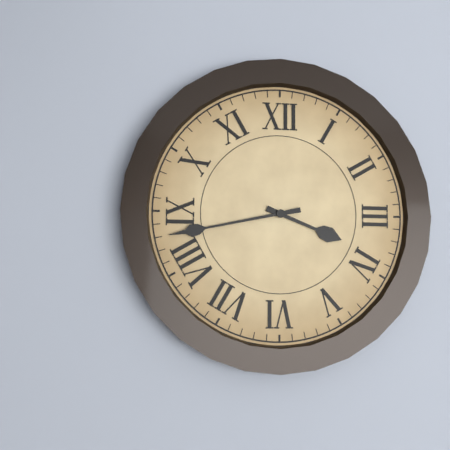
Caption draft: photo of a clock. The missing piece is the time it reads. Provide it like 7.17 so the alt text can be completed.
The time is 3.43
